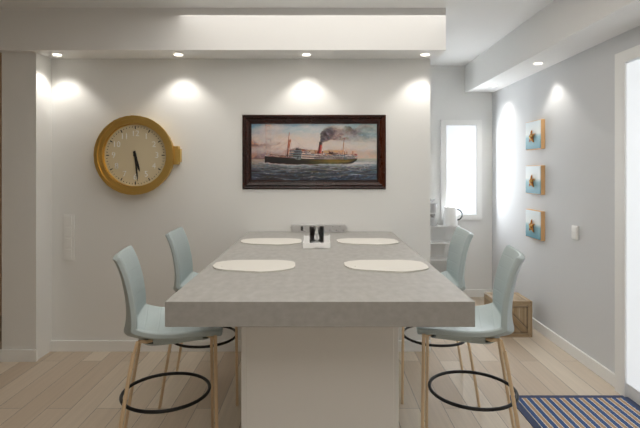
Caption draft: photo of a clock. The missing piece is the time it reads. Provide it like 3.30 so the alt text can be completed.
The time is 5.29
